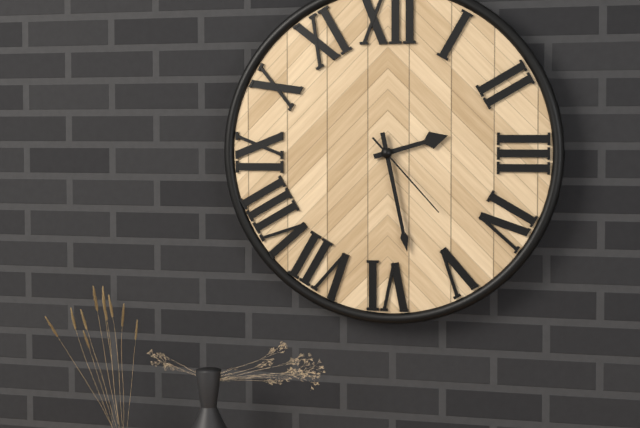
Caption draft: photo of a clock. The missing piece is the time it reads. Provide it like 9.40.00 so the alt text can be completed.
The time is 2.28.23
